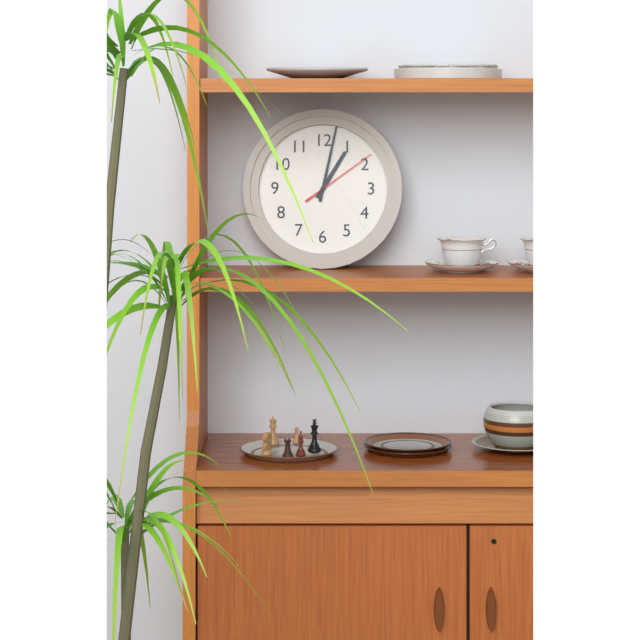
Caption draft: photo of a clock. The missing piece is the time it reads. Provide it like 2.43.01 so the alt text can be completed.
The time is 1.02.09
